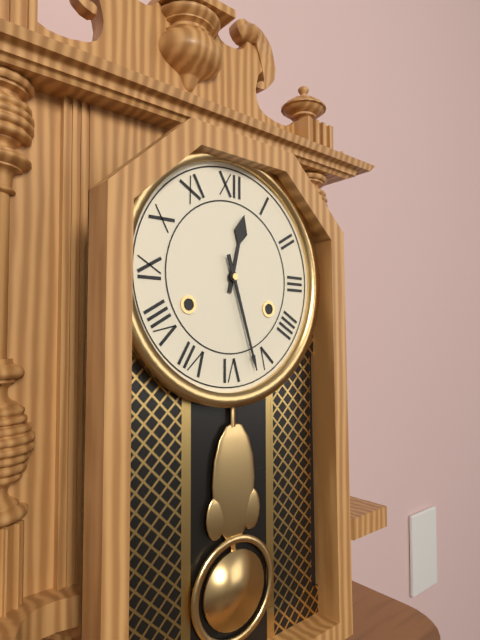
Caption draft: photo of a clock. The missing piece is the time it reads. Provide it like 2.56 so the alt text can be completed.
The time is 12.27
